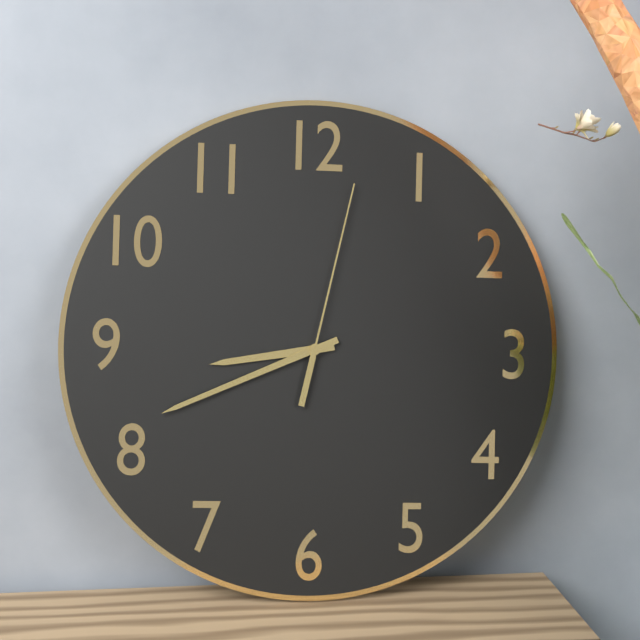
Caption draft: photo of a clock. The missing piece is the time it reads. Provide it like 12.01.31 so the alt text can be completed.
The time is 8.41.02
